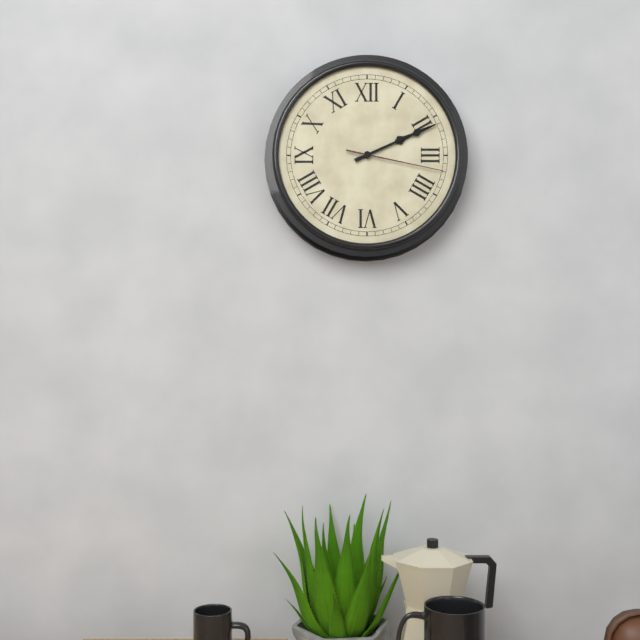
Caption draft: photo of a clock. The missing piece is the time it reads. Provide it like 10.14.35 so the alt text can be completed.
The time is 2.11.17
